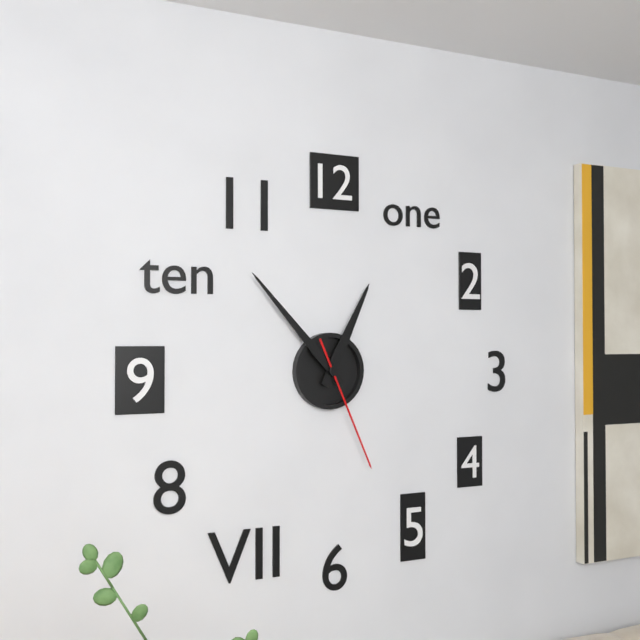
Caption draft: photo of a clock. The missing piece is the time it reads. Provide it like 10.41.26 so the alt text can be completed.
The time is 12.53.26
